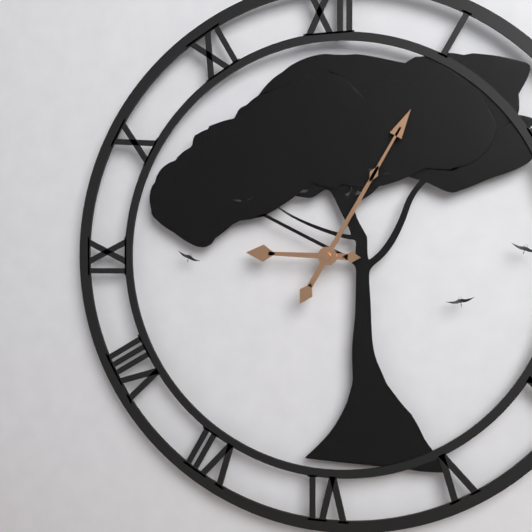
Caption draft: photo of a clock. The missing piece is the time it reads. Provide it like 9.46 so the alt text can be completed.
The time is 9.05
